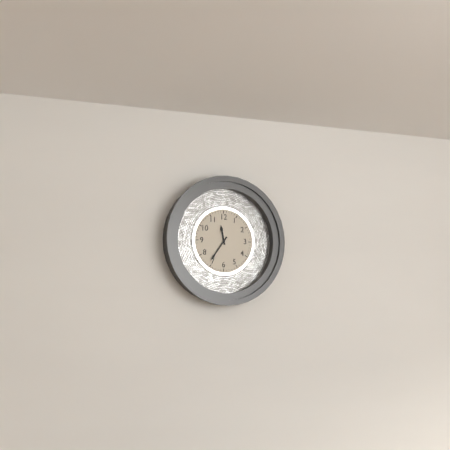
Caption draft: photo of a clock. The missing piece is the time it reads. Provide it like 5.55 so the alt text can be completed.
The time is 11.36
